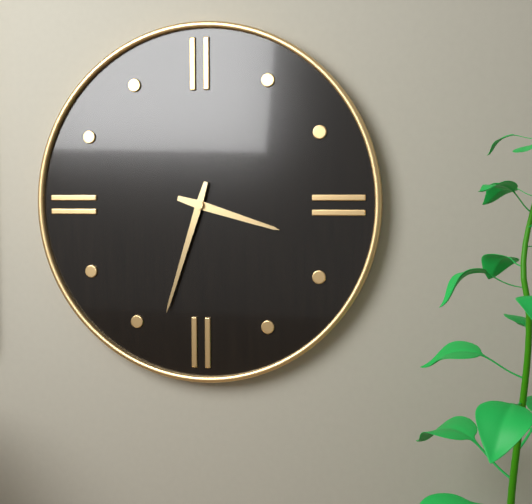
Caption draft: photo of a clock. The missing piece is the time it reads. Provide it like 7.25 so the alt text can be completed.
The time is 3.33
